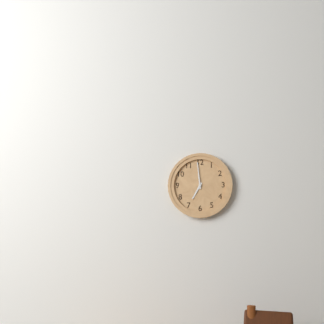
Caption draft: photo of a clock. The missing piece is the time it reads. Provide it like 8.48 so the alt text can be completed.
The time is 6.59
